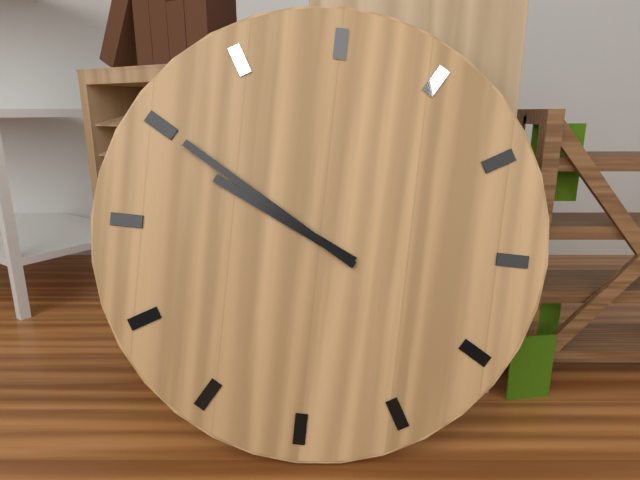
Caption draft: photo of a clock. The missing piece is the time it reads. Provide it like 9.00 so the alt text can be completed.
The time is 9.50
